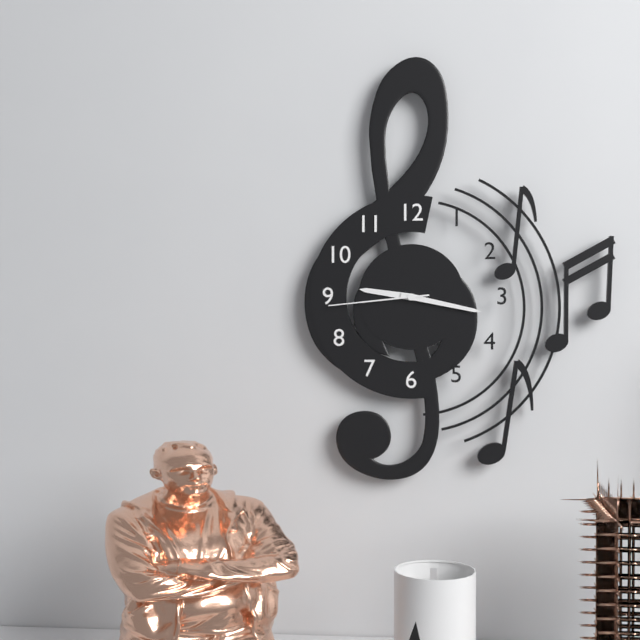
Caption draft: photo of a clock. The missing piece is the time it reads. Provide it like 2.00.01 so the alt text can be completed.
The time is 9.17.44
